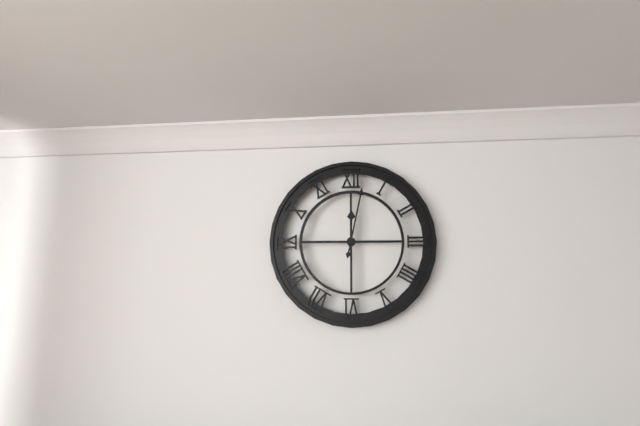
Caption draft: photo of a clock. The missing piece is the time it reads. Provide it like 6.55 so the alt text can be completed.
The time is 12.02
